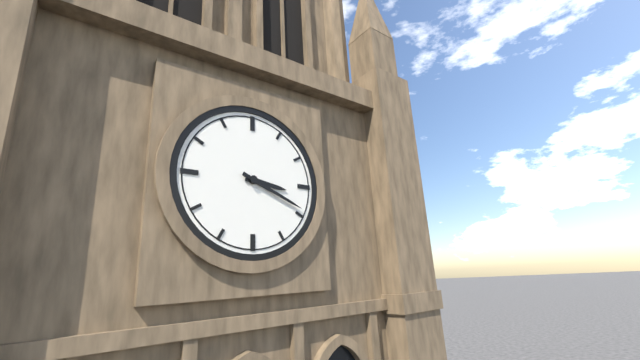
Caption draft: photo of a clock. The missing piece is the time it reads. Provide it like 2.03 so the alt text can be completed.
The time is 3.19
